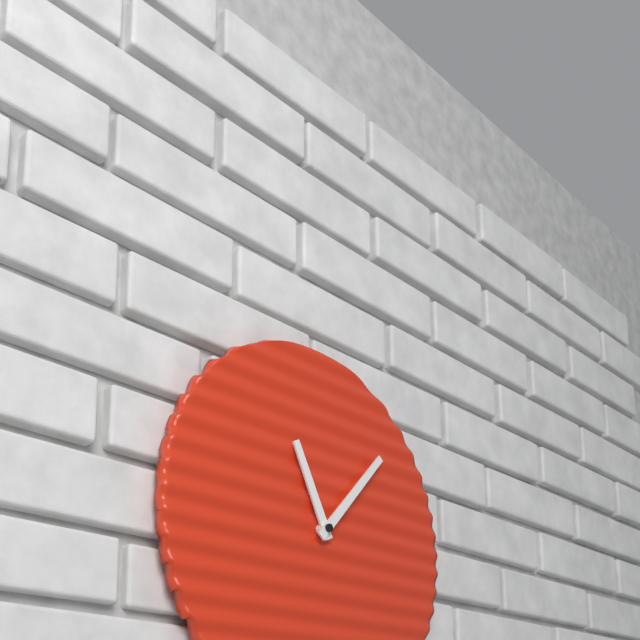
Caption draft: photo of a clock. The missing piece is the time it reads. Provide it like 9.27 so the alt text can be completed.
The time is 11.07
